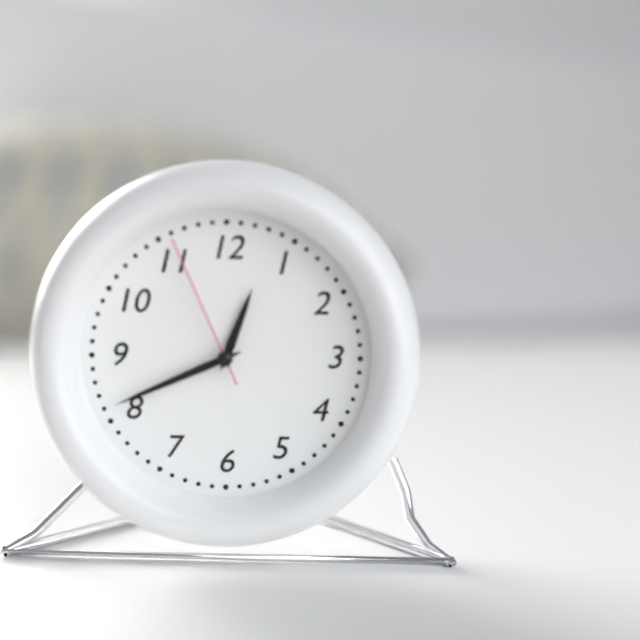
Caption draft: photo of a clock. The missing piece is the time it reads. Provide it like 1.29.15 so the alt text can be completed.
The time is 12.41.56
